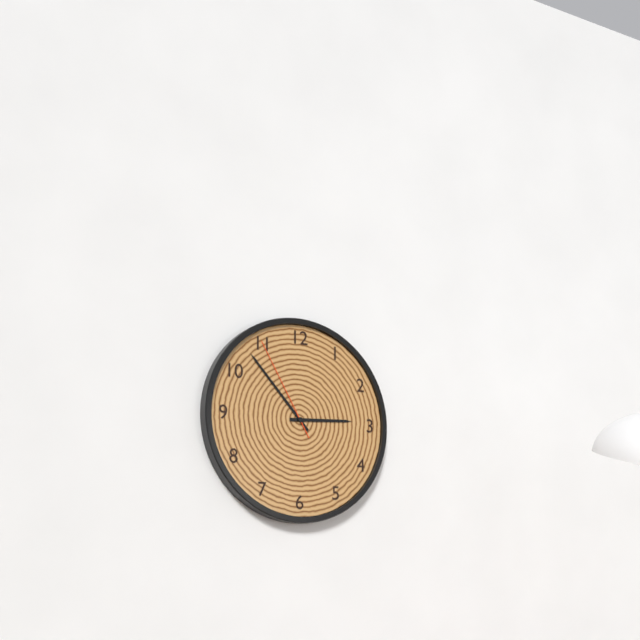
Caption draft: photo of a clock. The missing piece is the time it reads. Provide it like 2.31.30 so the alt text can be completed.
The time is 2.53.55
